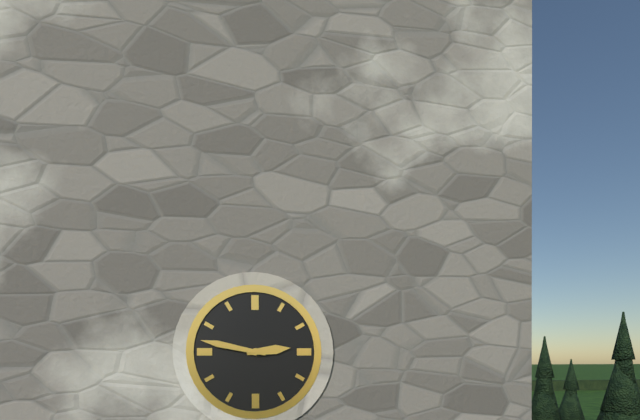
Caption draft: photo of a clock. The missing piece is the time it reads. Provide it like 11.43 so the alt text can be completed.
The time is 2.47
